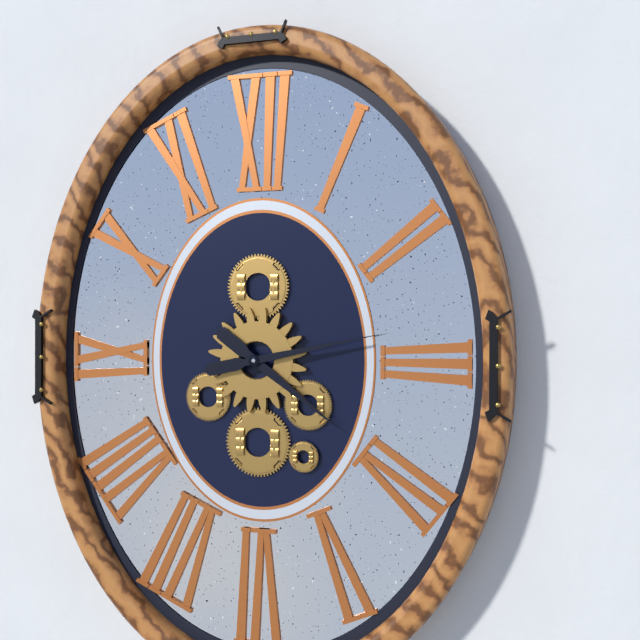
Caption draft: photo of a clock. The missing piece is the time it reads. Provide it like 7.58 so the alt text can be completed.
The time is 4.13
